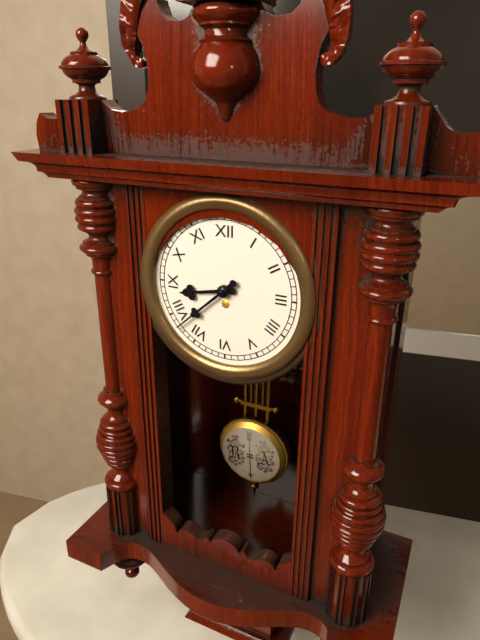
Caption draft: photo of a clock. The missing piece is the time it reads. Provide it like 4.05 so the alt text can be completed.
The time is 8.38
